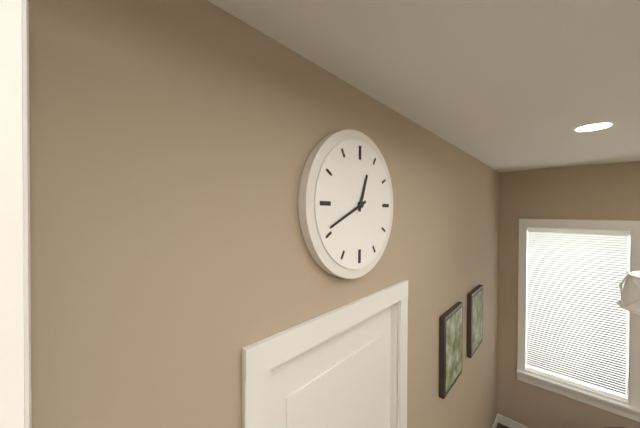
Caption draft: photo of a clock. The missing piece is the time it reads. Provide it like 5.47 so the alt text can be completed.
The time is 12.41
